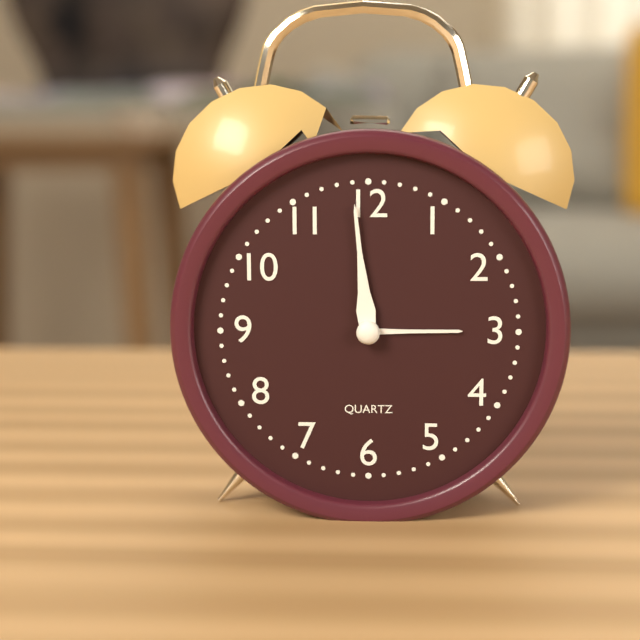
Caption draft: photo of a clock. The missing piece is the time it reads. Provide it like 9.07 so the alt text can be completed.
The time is 2.59
